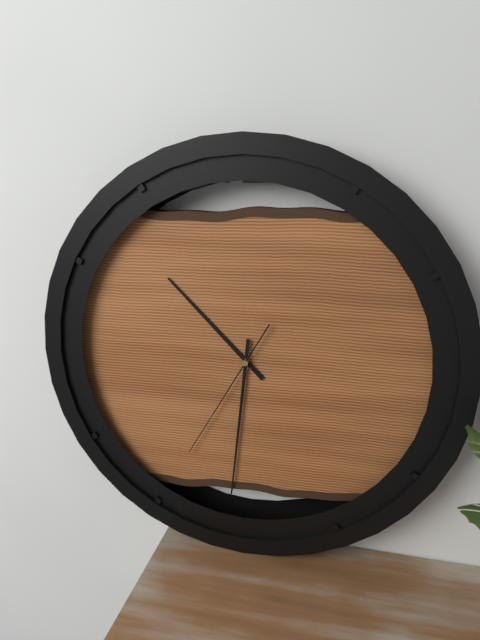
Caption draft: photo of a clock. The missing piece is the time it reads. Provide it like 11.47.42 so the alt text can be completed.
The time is 10.31.35
